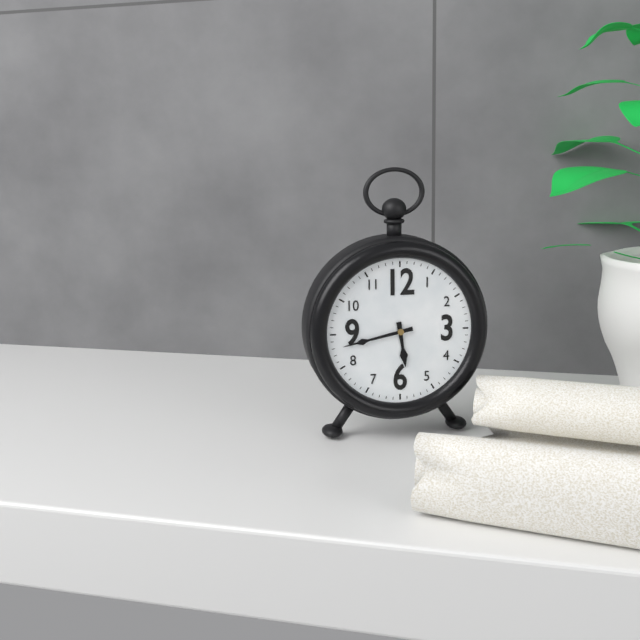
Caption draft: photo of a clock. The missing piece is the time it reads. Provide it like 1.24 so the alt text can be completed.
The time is 5.43
